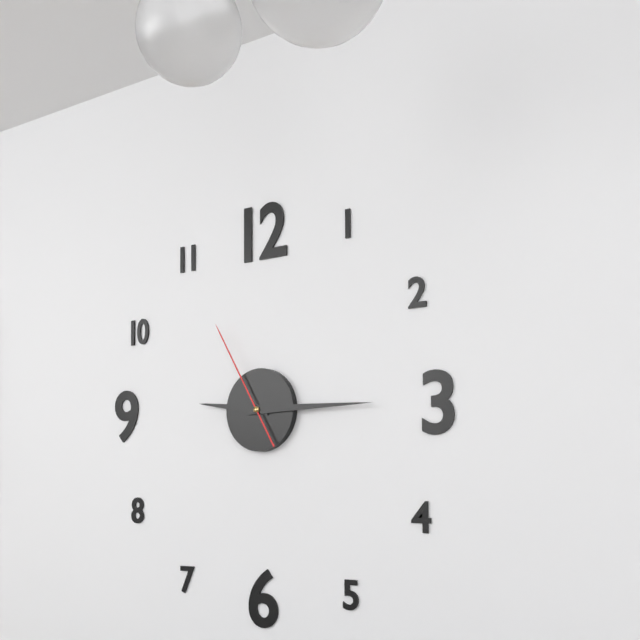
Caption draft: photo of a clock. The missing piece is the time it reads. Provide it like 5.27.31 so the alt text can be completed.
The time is 9.15.55
